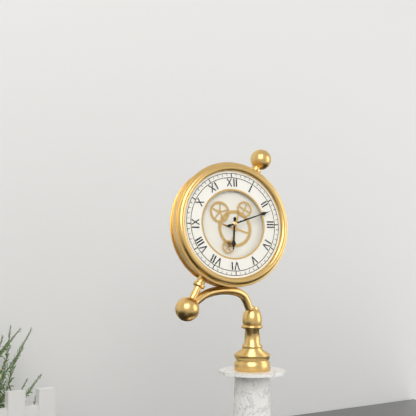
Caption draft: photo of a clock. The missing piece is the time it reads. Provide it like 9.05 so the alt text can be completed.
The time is 6.12
